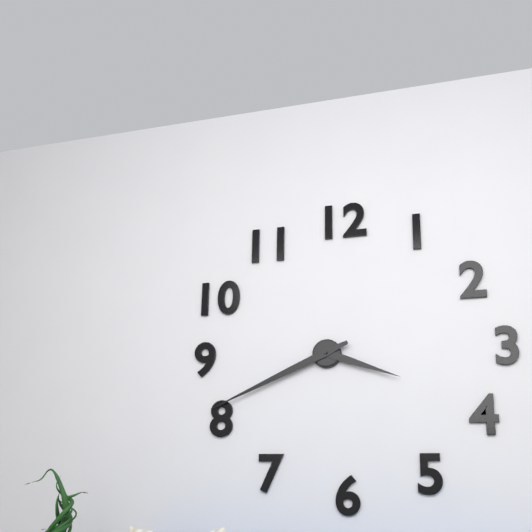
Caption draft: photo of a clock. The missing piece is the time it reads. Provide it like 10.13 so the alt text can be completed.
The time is 3.41
